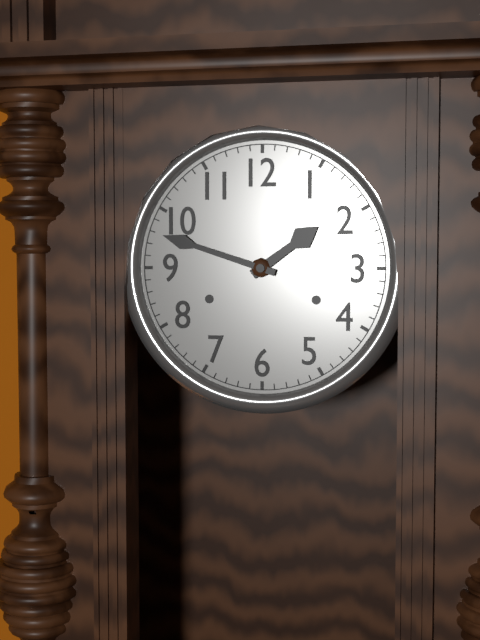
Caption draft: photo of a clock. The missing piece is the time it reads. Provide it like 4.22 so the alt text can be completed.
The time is 1.48
